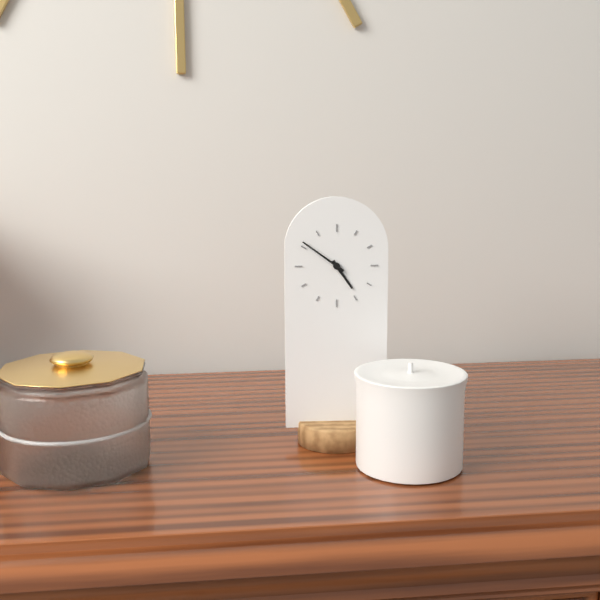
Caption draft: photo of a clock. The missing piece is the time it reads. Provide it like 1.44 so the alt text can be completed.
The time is 4.51
